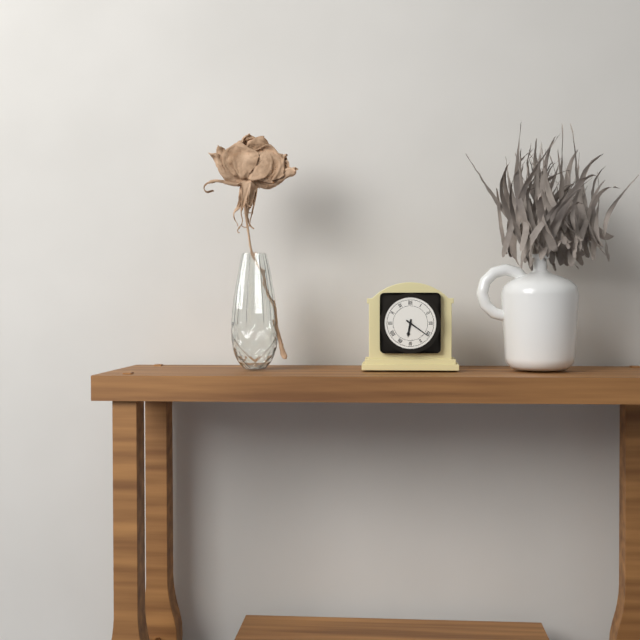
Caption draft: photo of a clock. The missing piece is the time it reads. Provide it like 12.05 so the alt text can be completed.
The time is 6.21
